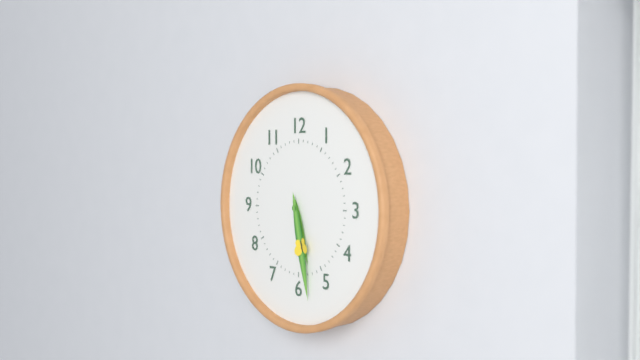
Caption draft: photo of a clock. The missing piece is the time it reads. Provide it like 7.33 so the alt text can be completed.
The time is 5.28
